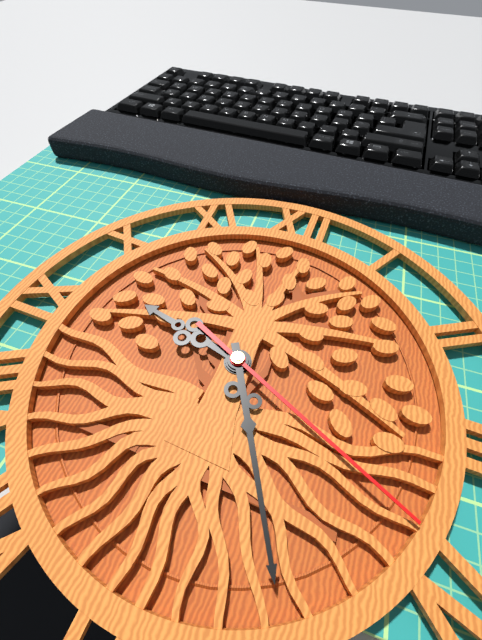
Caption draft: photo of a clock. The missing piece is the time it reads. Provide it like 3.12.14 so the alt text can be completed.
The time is 9.25.19
